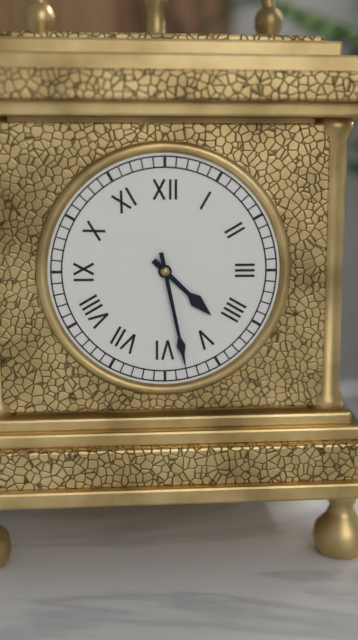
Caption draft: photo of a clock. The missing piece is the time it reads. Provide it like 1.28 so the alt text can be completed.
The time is 4.28
